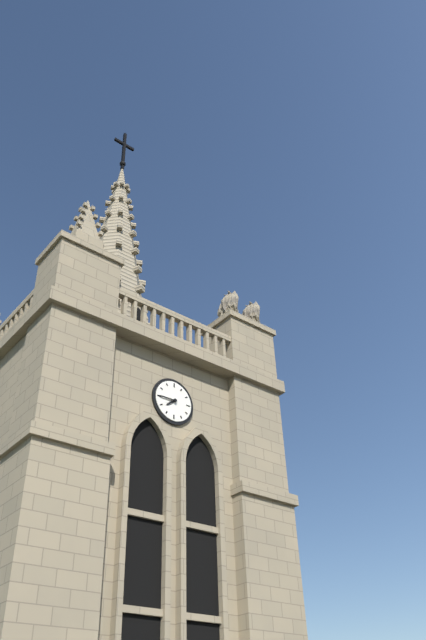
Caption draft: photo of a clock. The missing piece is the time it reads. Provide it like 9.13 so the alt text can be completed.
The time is 7.45
